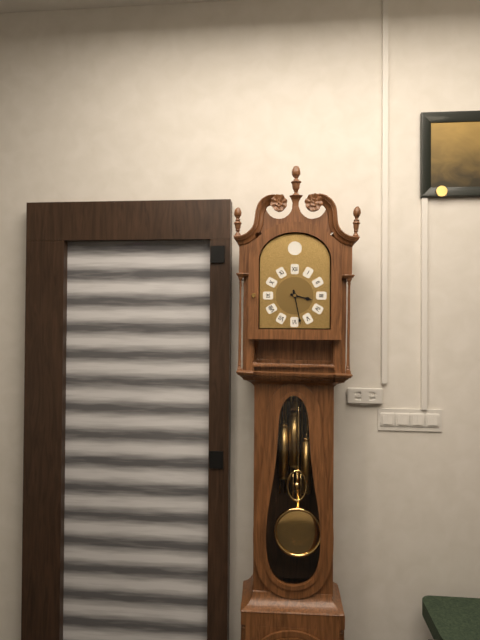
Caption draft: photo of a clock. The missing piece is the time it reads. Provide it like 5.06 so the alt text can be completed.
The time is 3.28
